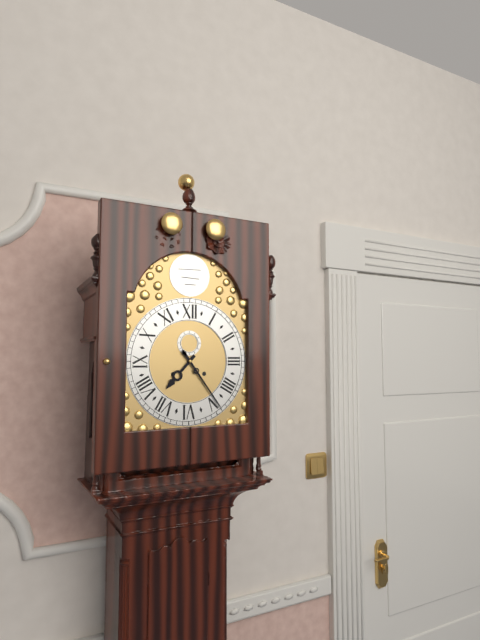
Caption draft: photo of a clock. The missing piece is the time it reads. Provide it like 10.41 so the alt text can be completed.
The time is 7.24
